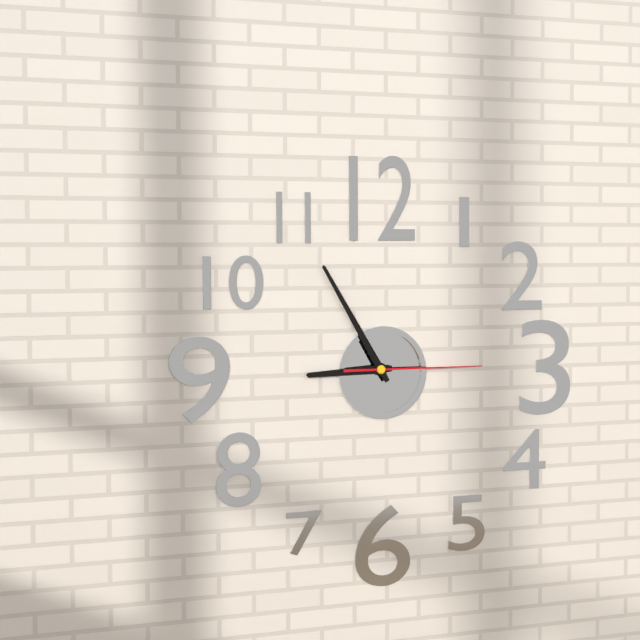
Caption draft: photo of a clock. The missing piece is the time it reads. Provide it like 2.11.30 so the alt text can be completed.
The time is 8.55.15
